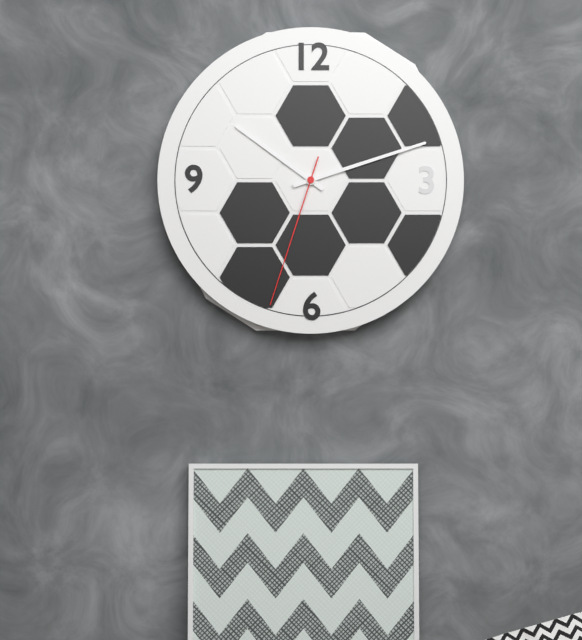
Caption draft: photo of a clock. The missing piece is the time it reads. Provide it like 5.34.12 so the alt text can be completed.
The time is 10.12.33
